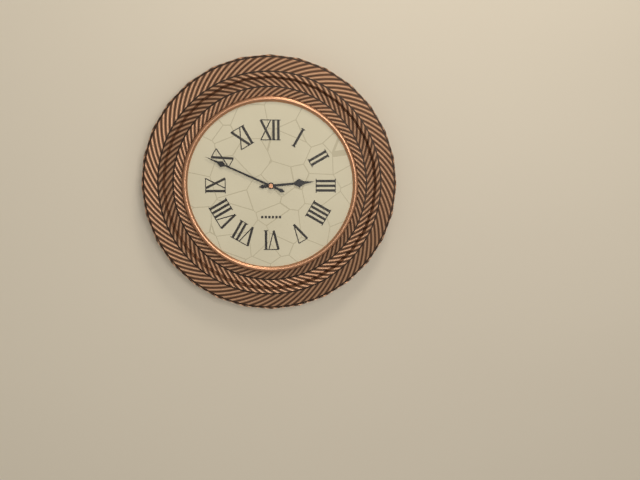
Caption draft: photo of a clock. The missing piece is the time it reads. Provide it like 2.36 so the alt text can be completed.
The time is 2.49
